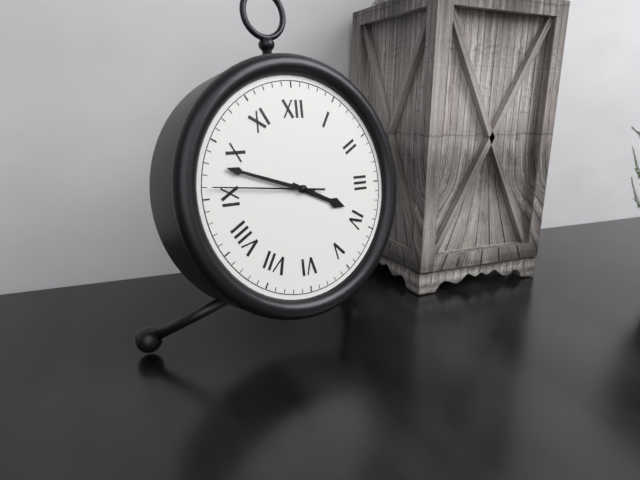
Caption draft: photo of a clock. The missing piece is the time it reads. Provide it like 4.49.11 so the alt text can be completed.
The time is 3.48.46
